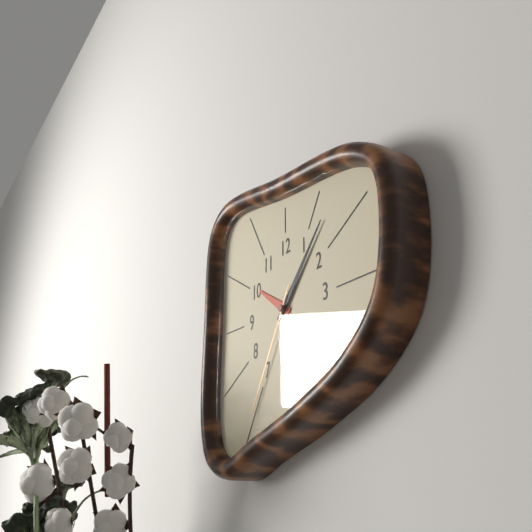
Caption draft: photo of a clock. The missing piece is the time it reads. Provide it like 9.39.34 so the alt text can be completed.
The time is 10.07.35
